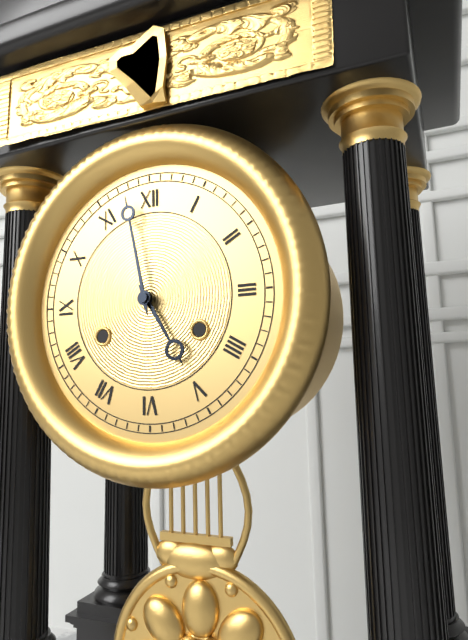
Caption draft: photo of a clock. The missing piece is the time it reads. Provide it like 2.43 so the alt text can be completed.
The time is 4.58
